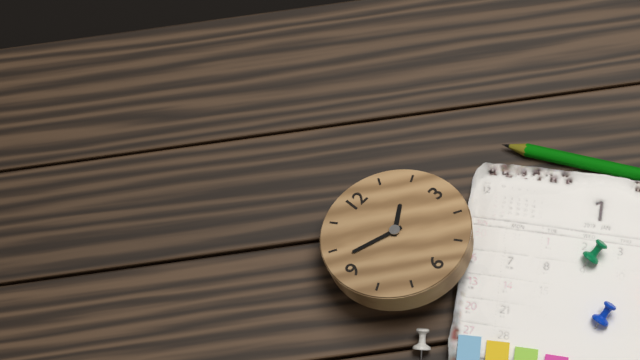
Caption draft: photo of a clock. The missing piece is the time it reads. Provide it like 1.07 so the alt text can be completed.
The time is 1.48
